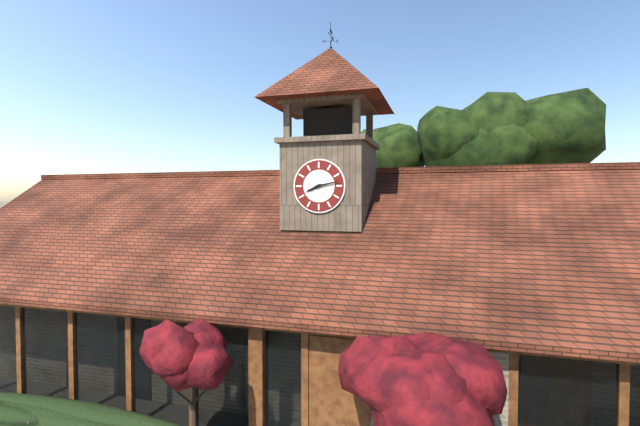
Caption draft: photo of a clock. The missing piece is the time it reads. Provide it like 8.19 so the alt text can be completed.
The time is 8.13
